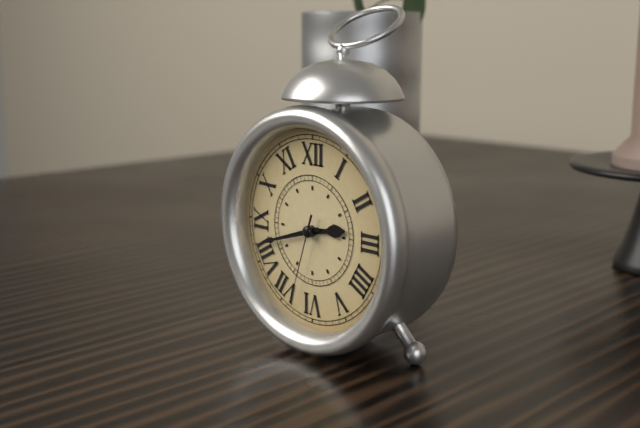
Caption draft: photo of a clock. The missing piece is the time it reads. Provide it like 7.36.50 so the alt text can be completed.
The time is 2.42.33
